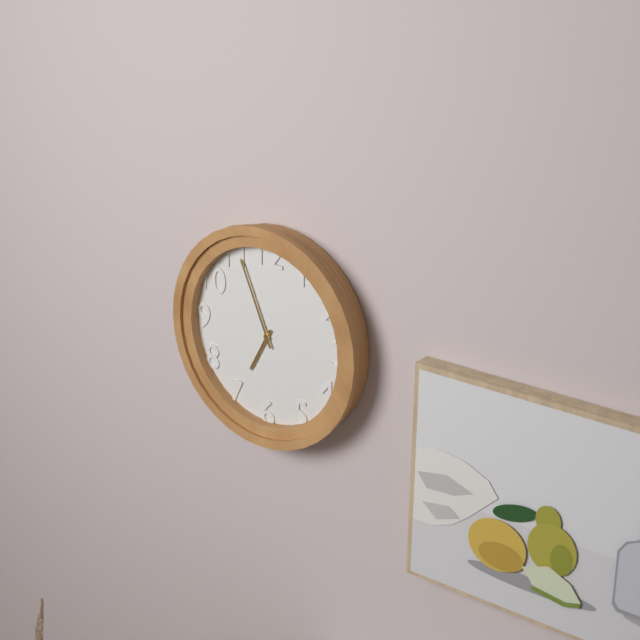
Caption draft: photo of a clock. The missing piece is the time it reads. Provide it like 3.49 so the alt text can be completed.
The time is 6.56
